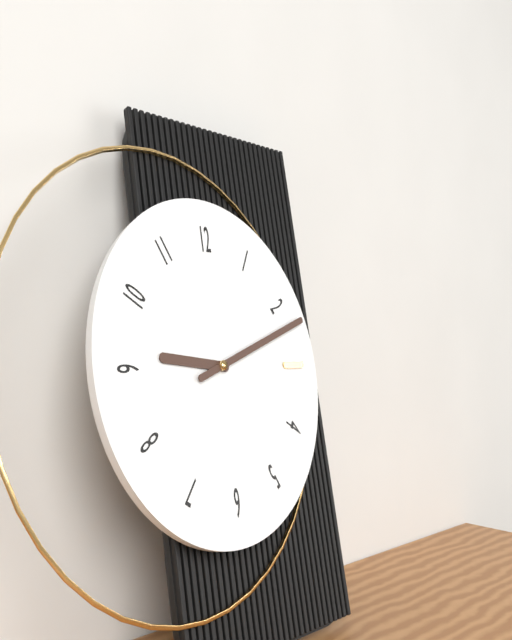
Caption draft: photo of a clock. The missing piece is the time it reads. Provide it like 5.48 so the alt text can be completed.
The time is 9.12
